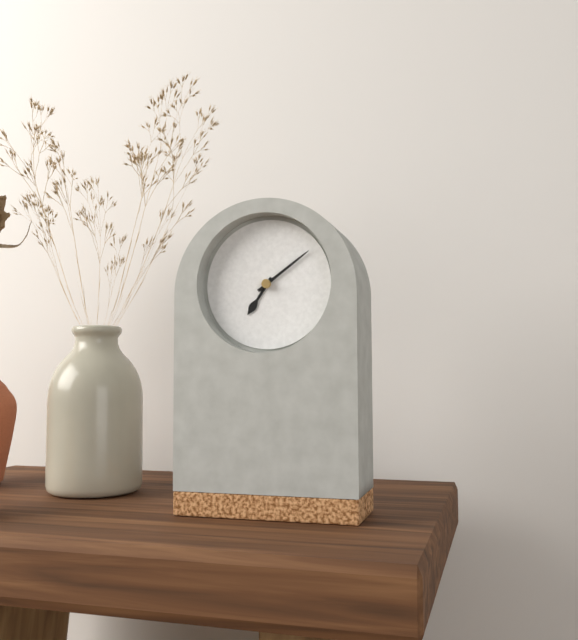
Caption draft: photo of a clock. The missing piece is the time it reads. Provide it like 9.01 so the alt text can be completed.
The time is 7.09
